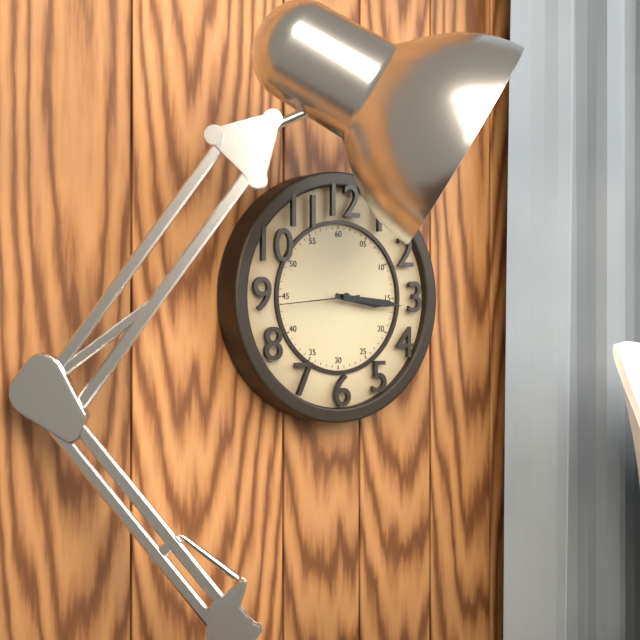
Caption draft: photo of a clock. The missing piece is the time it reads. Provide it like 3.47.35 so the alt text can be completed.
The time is 3.16.44
